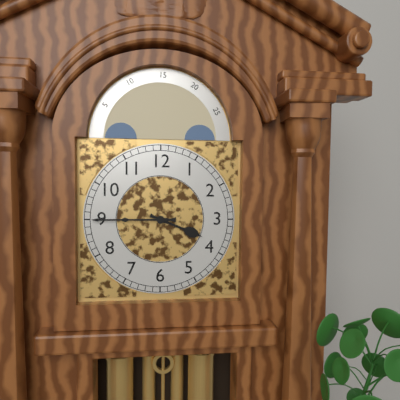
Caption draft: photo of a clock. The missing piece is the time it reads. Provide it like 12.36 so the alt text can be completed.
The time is 3.45
